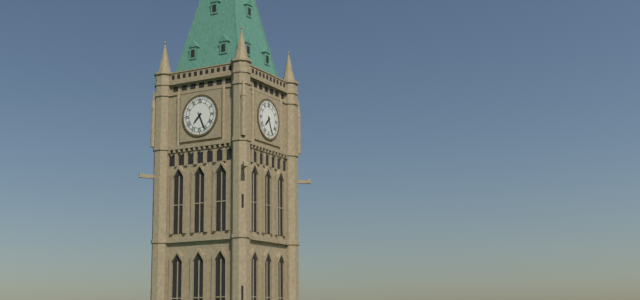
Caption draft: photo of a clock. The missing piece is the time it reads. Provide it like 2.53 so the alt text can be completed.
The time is 7.26
